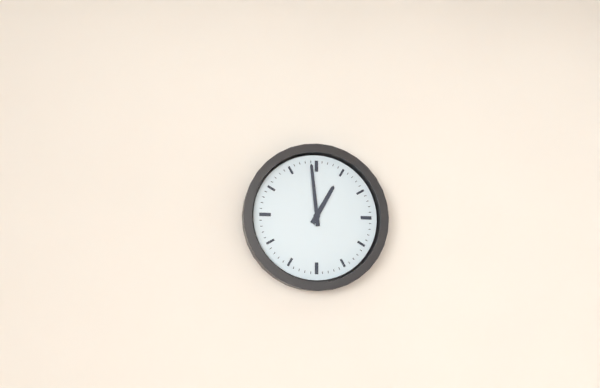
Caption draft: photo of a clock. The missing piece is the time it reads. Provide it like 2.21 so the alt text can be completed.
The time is 12.59
